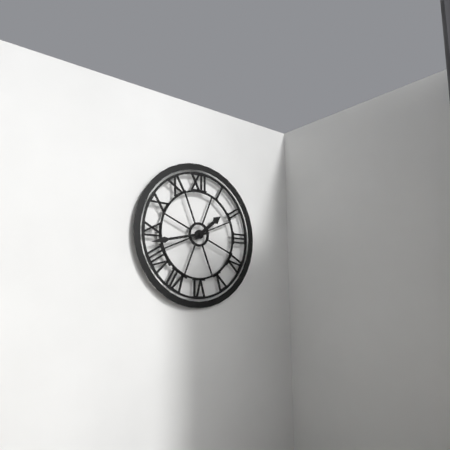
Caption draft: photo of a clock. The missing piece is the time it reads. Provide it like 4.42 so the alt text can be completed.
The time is 1.43
